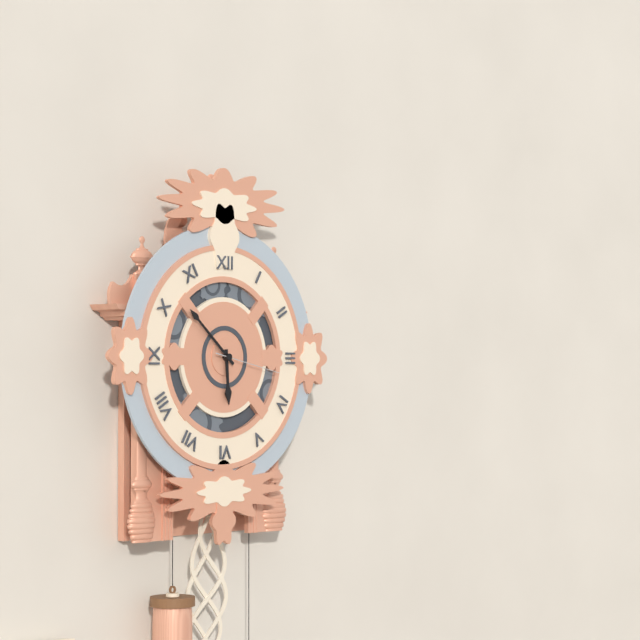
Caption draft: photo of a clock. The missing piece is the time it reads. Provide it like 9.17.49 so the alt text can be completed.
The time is 5.52.17
